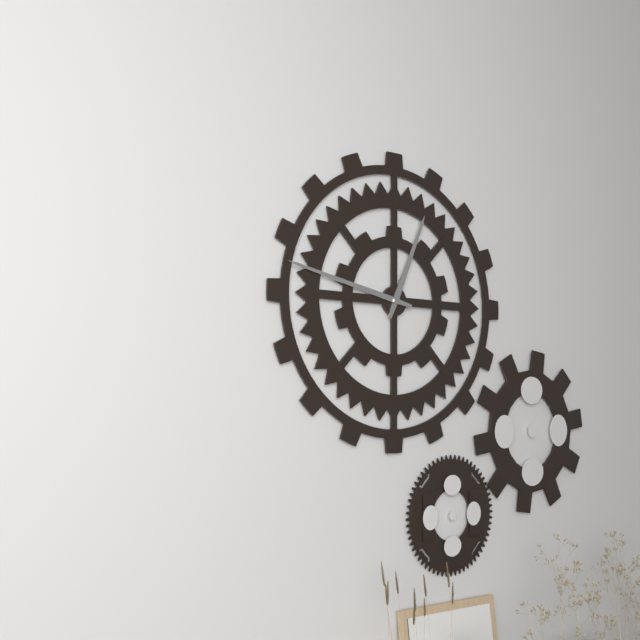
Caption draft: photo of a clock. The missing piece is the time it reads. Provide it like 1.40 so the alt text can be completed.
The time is 12.47
